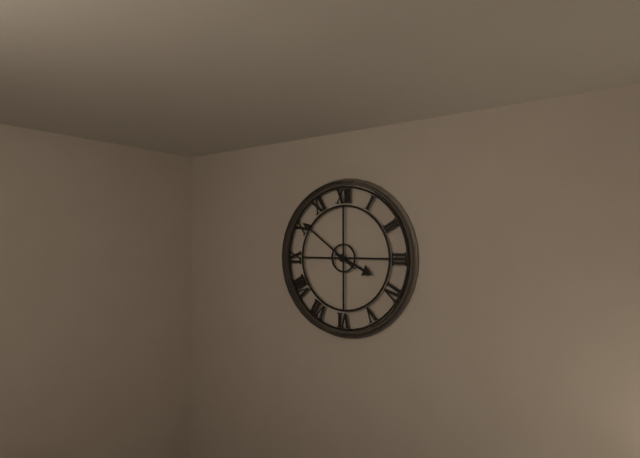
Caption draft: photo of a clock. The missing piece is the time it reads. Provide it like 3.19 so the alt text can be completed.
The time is 3.51
